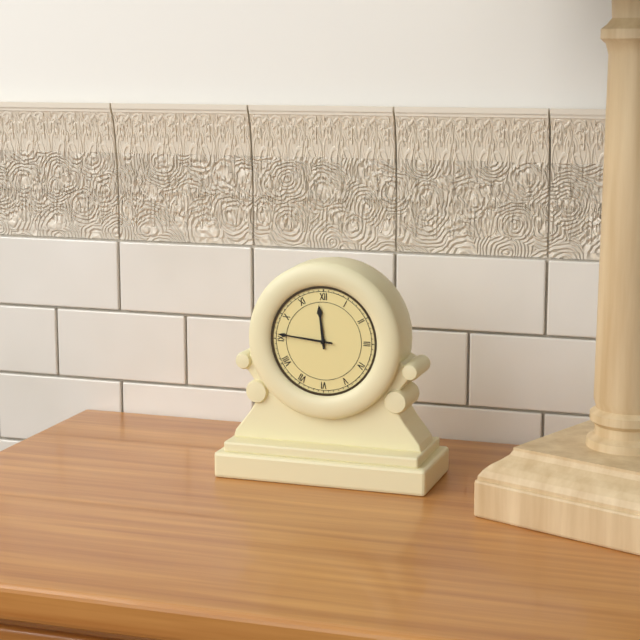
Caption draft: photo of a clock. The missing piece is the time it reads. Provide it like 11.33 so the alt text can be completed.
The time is 11.46
